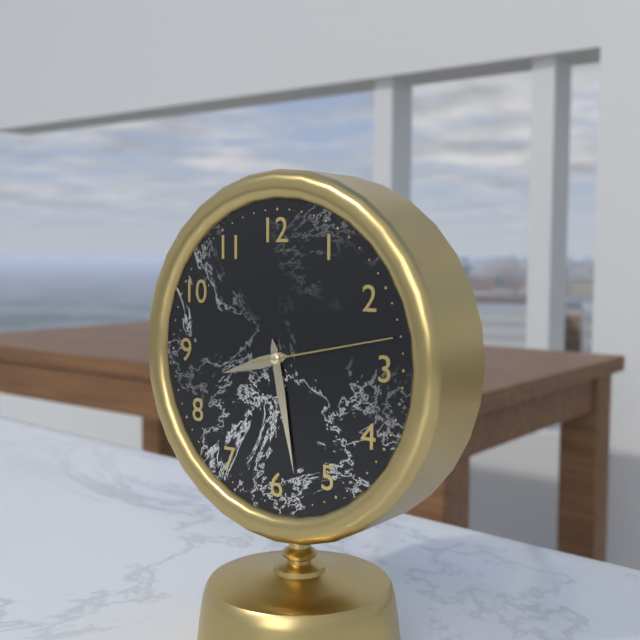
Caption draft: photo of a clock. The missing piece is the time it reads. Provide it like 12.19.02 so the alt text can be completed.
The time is 8.28.13
